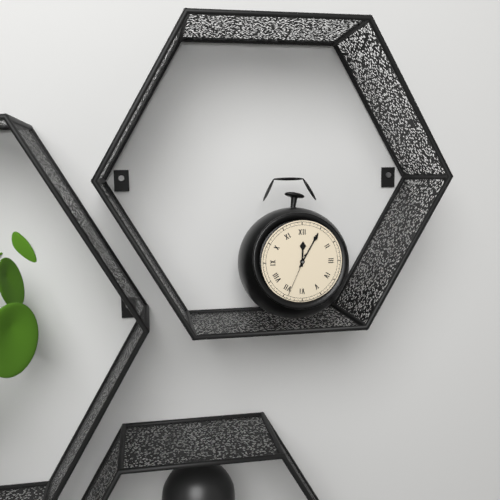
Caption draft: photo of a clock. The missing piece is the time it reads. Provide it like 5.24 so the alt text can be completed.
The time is 12.05
